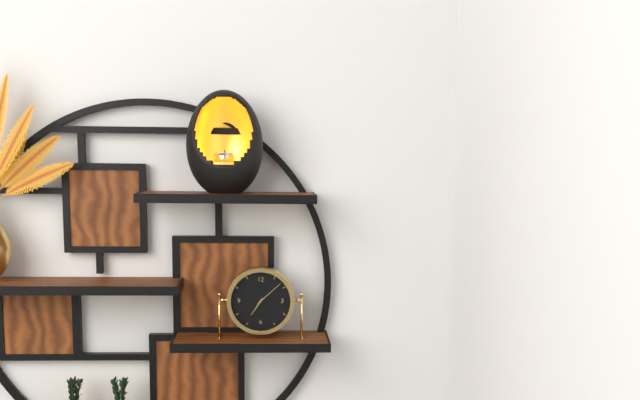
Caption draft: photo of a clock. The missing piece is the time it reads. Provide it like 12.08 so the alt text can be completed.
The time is 7.08
